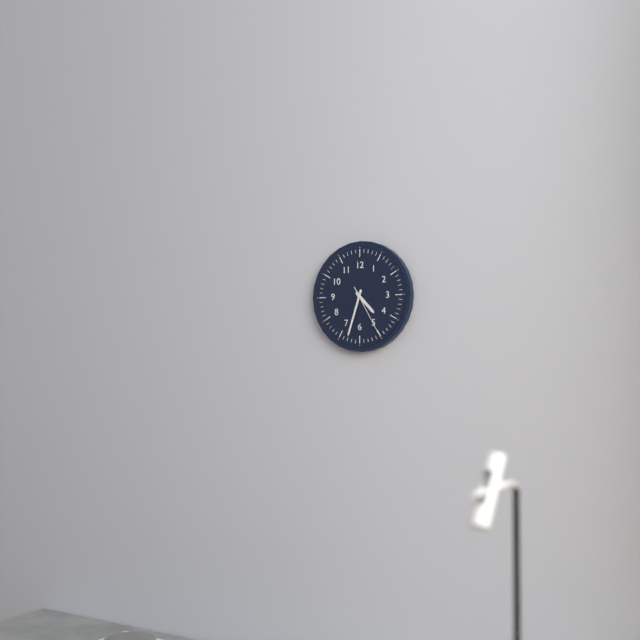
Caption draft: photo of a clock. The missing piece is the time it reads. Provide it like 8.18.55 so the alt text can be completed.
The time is 4.33.25
